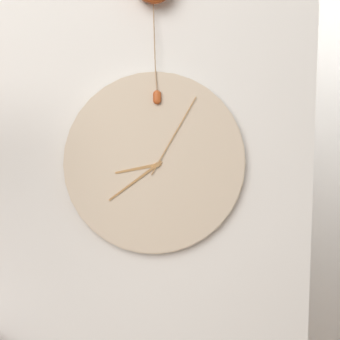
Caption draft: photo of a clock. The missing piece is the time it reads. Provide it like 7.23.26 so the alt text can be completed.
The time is 8.39.05
